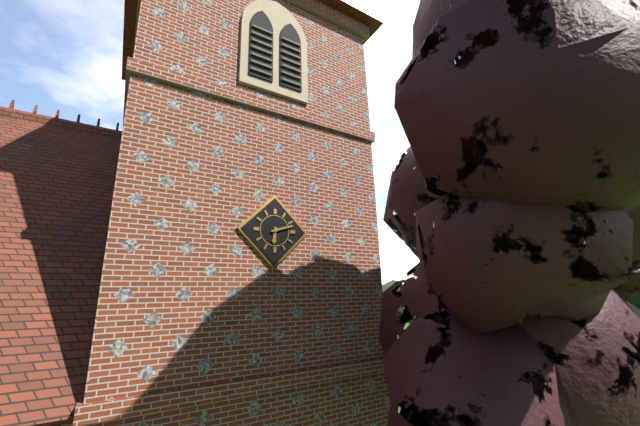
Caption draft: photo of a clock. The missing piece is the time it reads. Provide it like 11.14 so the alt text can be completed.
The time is 6.12
